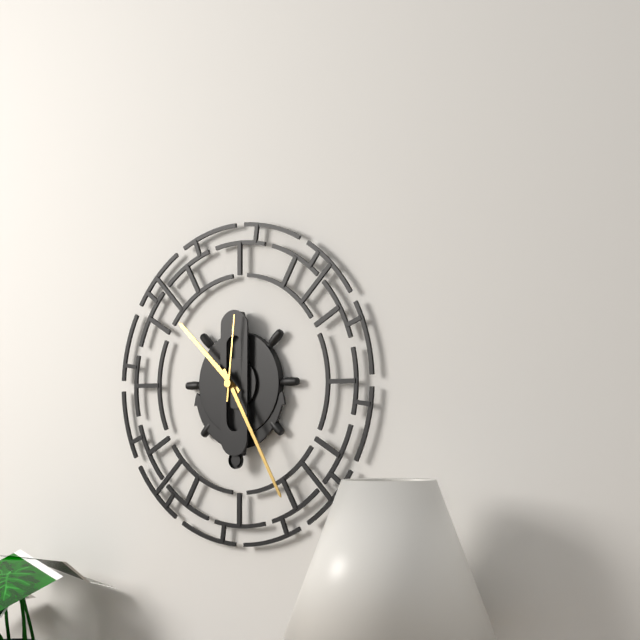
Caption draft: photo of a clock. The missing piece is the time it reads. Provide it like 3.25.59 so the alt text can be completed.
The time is 10.25.01
